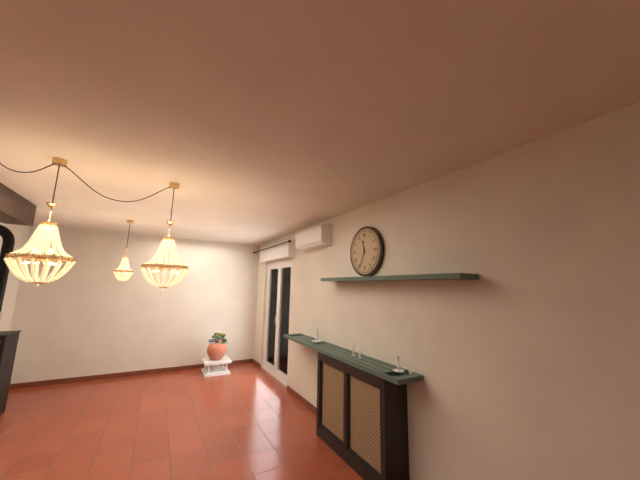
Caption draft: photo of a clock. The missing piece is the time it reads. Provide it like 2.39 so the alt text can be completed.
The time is 11.34
